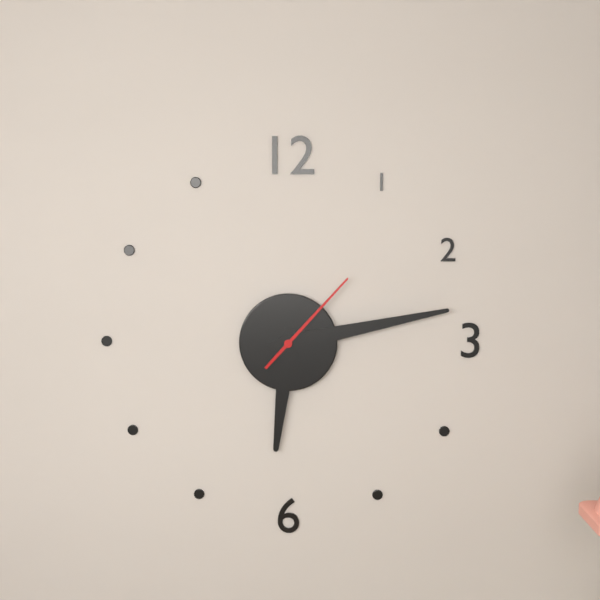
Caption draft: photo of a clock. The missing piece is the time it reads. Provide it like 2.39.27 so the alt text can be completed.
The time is 6.13.07
